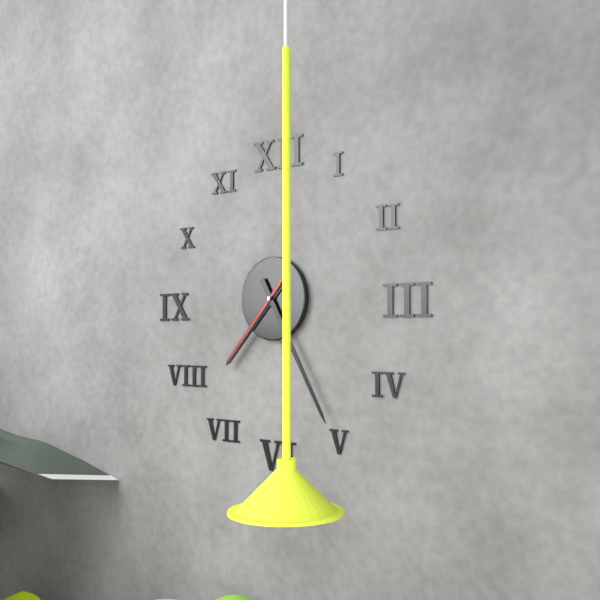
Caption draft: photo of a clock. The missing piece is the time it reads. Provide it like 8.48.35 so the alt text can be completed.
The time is 7.25.37
